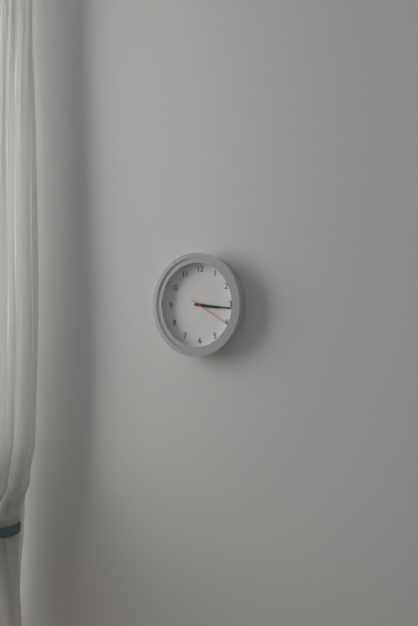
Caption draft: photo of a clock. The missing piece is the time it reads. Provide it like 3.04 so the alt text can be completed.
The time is 3.16
